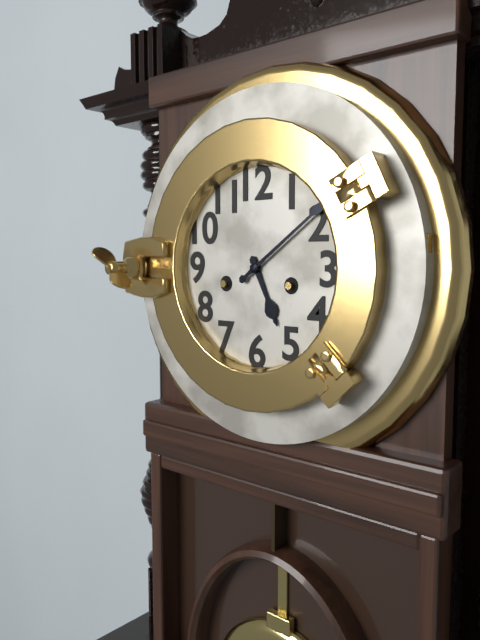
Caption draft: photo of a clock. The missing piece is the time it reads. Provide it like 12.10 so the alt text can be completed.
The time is 5.09
